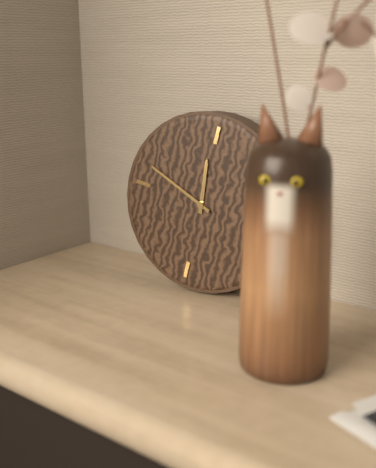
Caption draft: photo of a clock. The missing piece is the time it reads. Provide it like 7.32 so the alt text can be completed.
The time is 11.48
